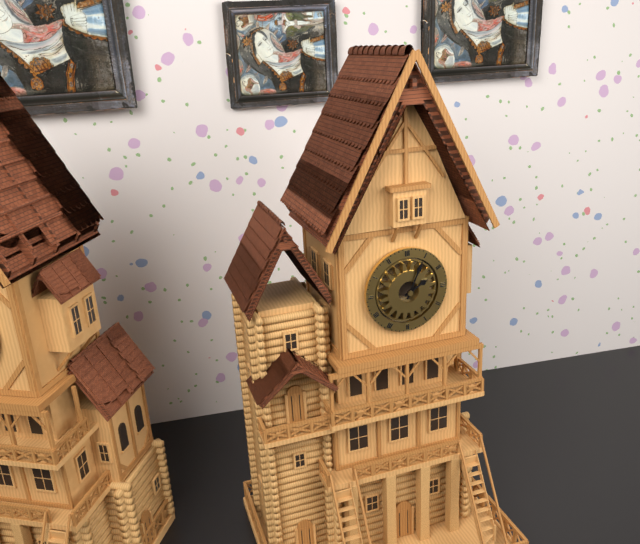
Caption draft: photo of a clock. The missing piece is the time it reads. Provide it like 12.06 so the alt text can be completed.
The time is 2.04
